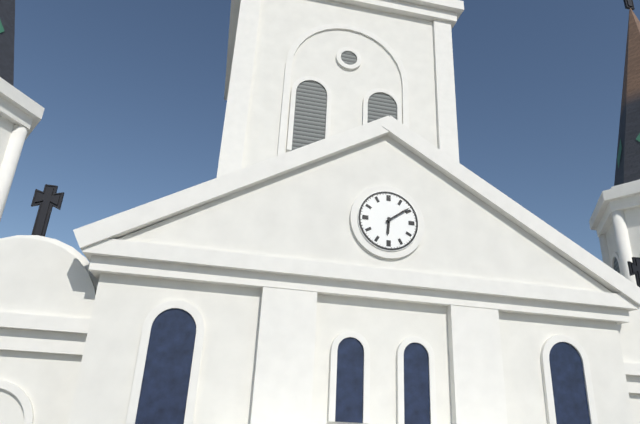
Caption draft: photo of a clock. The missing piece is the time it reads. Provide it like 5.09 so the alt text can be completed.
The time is 6.09
